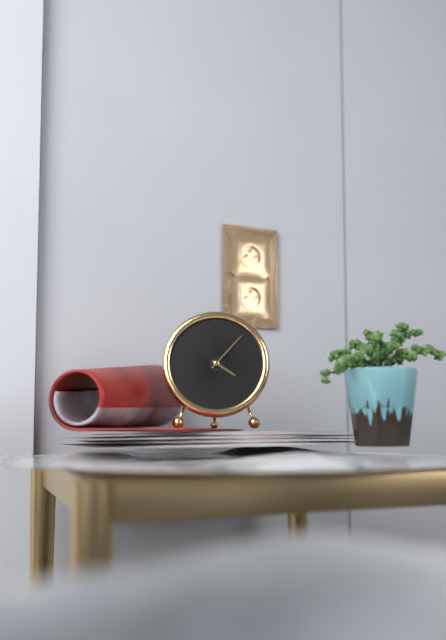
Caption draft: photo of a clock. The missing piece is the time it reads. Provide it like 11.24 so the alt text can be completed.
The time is 4.07
